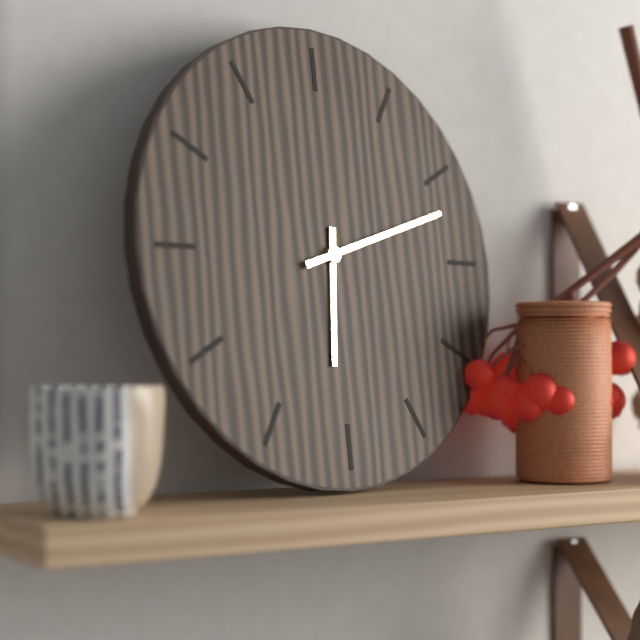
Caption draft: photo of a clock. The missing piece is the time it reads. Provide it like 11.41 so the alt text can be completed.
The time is 6.12
